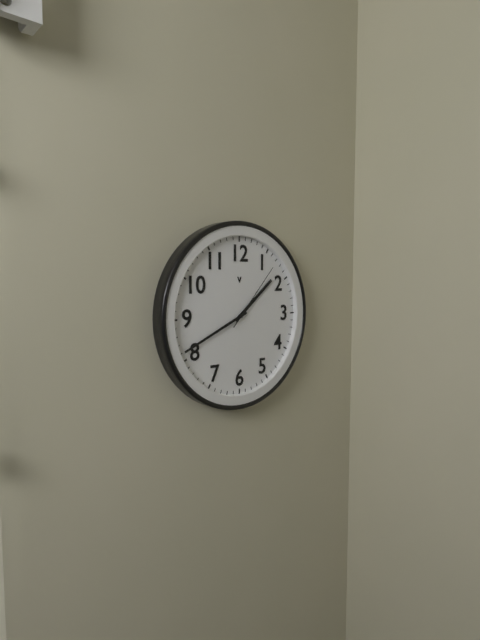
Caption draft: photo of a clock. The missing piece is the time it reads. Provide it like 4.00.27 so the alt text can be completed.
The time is 1.41.07
